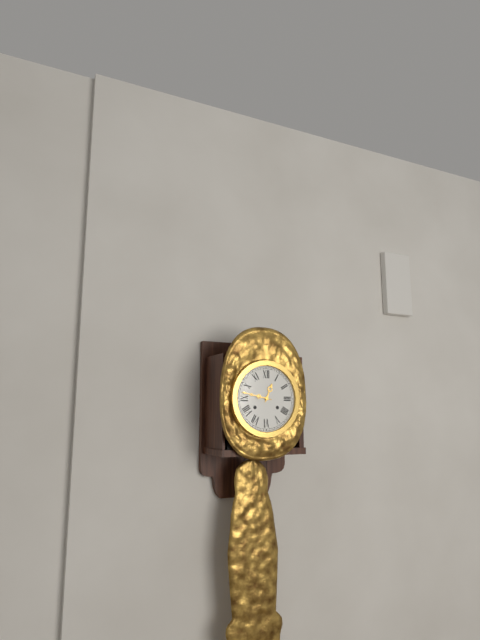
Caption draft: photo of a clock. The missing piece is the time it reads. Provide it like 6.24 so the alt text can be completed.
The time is 12.47
